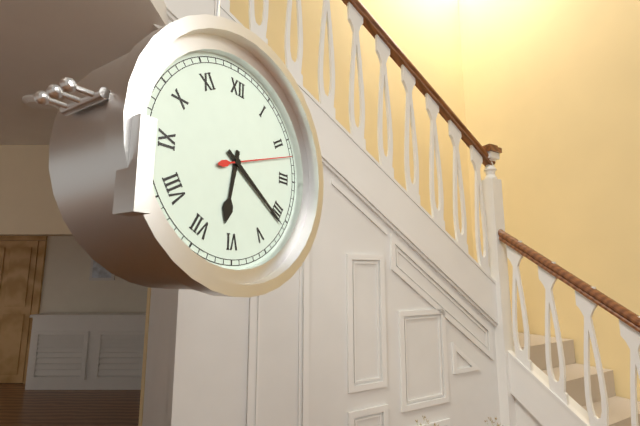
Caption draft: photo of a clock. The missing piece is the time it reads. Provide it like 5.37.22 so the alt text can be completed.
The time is 6.21.12
